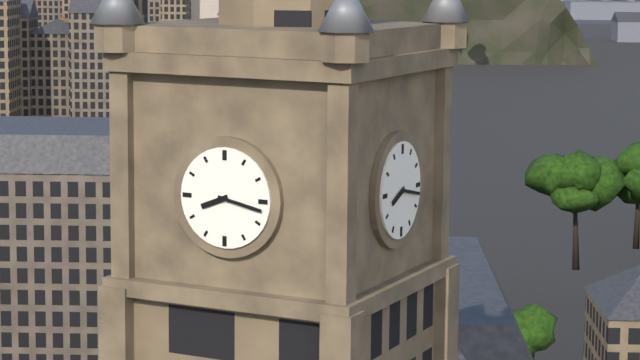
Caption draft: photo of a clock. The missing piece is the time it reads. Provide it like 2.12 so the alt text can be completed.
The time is 8.17
